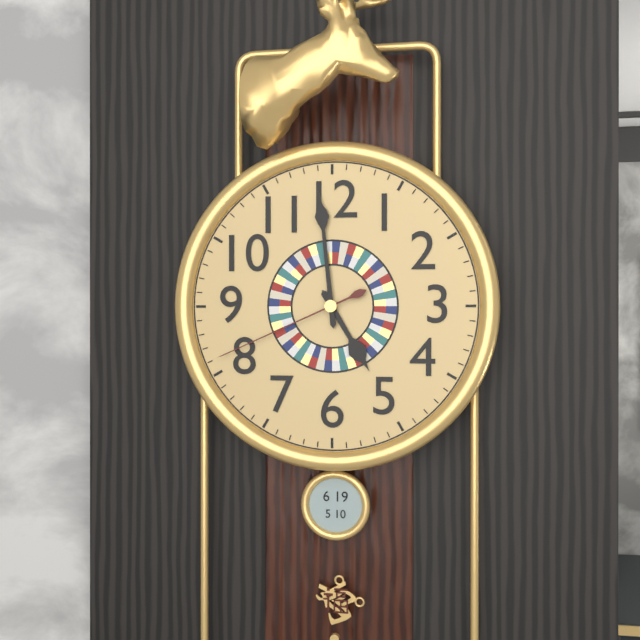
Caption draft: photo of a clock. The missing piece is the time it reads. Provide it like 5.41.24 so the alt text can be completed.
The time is 4.59.41
